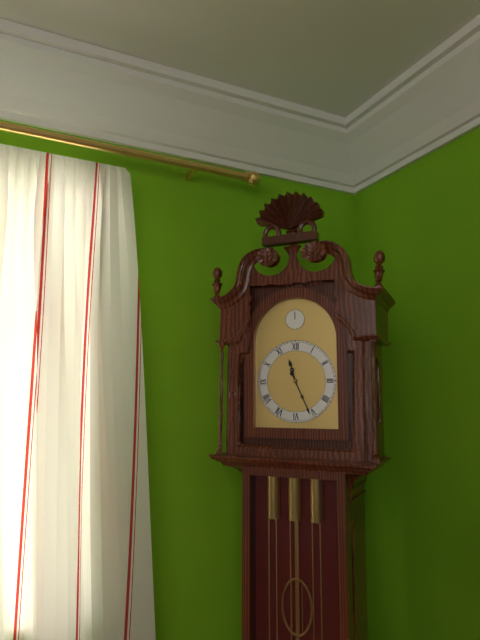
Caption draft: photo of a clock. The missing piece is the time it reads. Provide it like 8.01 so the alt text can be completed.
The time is 11.26
